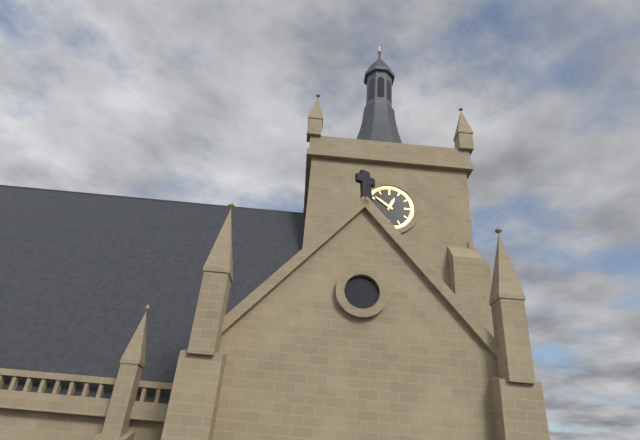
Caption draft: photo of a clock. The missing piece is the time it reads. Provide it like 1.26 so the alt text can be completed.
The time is 12.51
